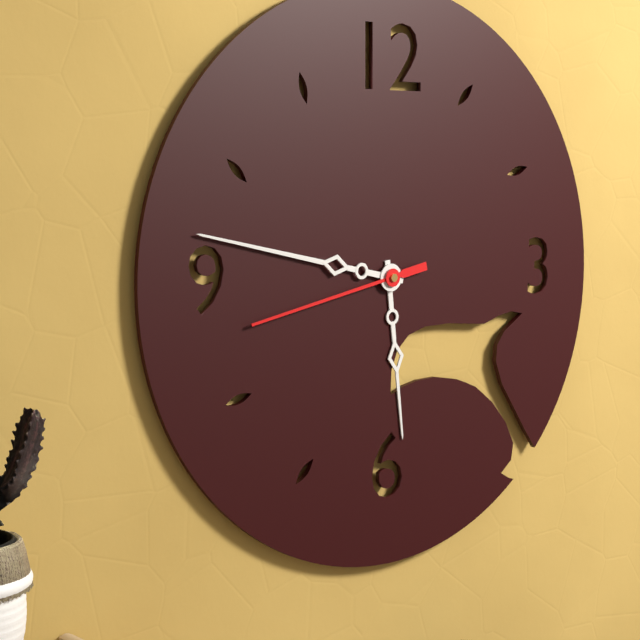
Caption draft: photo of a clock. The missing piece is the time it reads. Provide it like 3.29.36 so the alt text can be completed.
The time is 5.47.43
